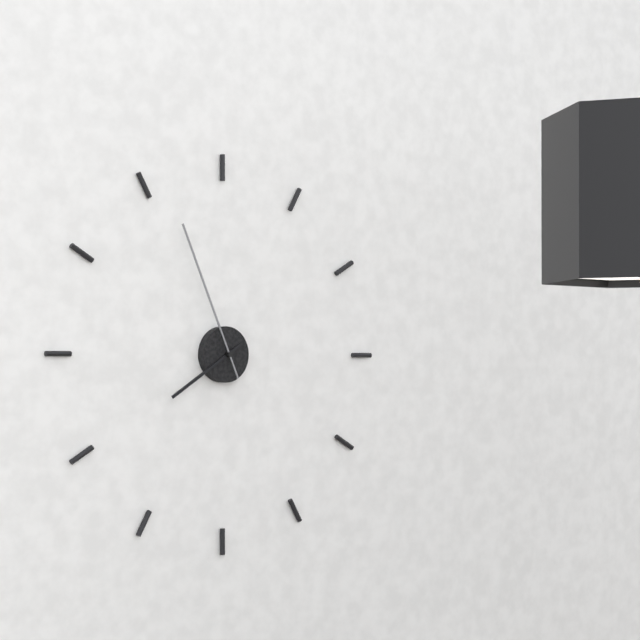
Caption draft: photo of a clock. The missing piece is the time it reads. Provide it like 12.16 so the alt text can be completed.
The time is 7.56
